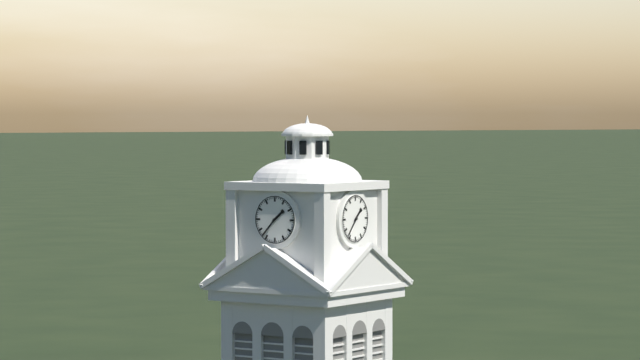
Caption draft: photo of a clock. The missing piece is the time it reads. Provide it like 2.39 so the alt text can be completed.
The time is 1.37
